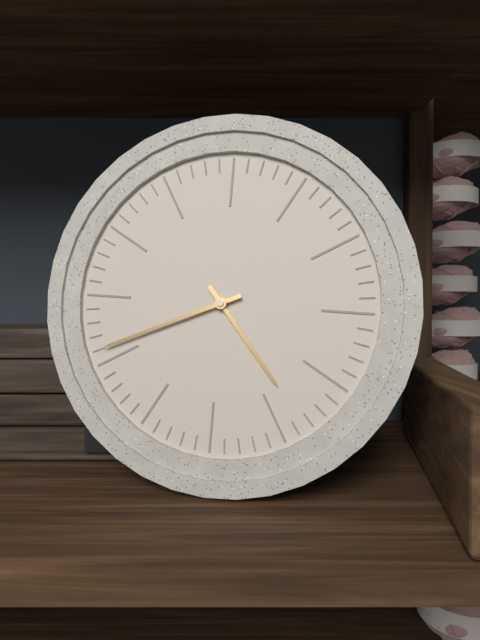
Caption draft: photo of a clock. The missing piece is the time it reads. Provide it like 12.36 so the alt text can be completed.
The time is 4.41
